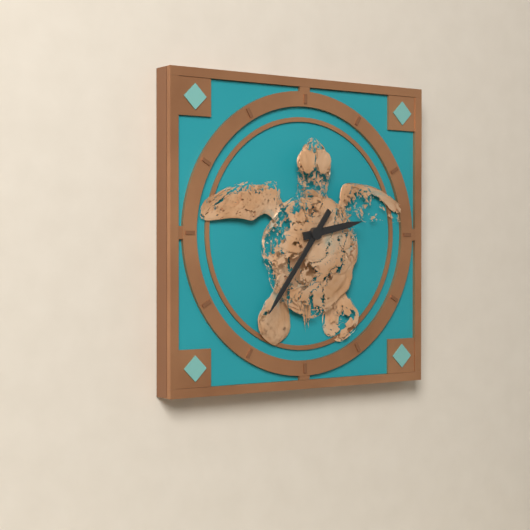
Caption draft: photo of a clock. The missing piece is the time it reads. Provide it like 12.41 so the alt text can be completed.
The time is 2.36
